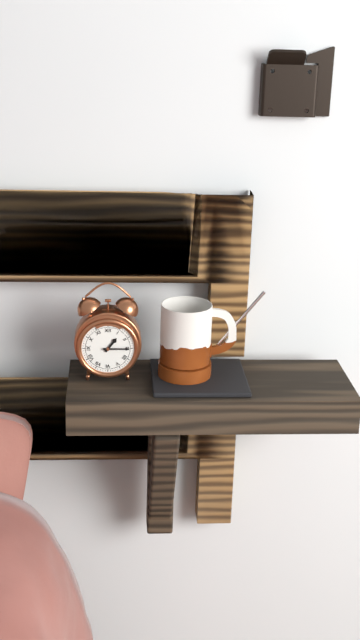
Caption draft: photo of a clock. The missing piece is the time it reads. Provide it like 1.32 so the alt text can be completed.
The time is 1.15
